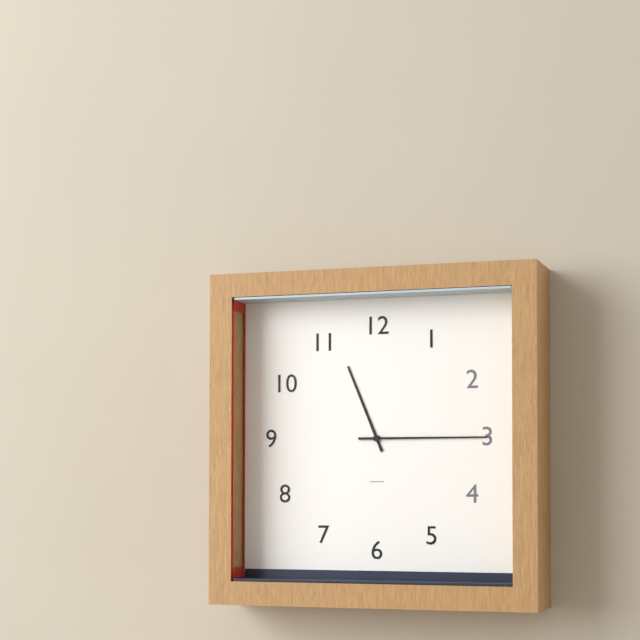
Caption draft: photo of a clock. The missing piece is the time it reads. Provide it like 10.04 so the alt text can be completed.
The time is 11.15
